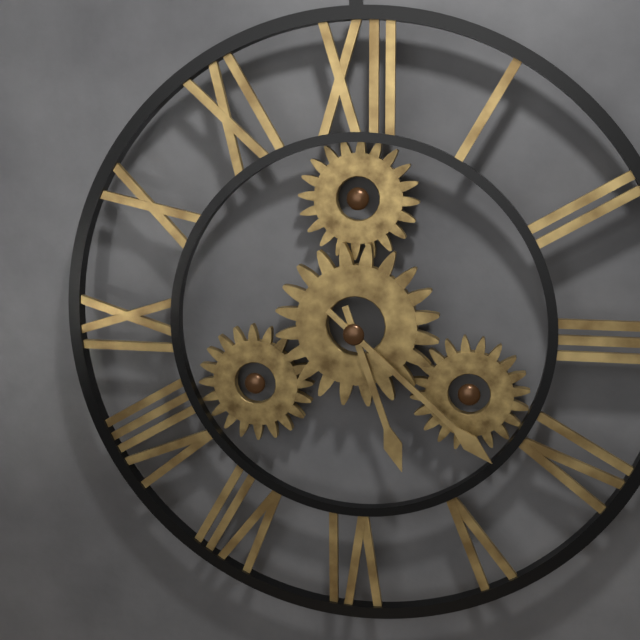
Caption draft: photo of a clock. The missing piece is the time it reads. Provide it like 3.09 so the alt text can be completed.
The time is 5.22
